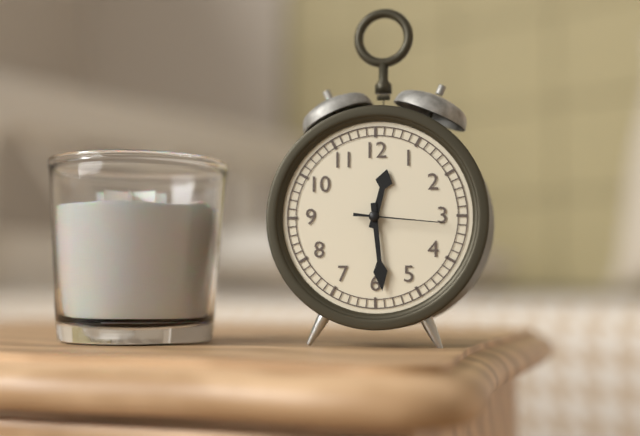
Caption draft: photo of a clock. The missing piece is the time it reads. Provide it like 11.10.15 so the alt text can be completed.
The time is 12.29.16
